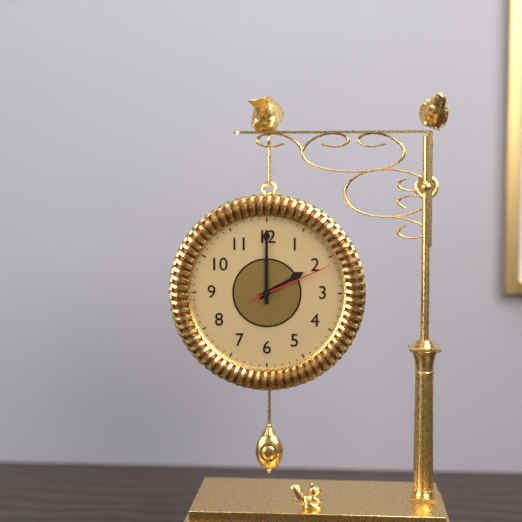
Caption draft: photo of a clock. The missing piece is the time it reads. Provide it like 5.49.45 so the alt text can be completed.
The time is 2.00.11
